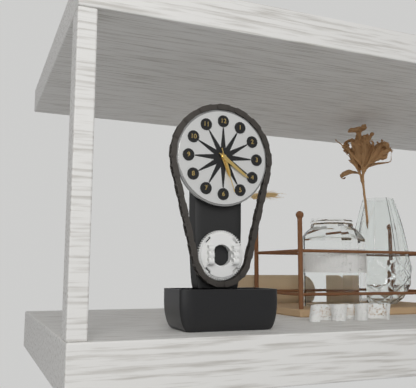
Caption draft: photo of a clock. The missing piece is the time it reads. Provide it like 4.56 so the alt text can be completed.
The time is 5.21
